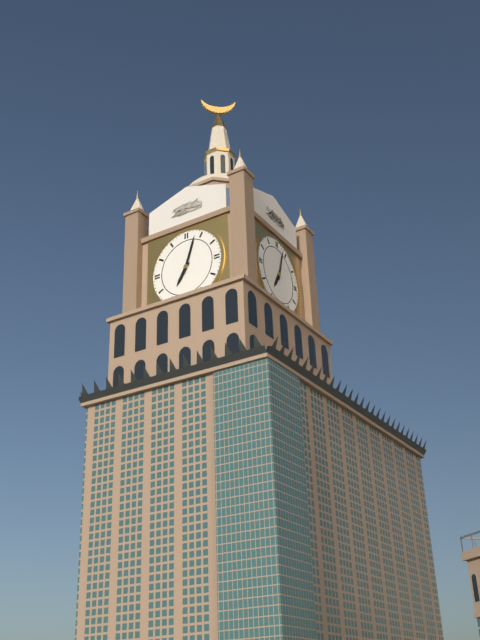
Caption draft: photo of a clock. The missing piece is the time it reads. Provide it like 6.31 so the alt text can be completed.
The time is 7.03
